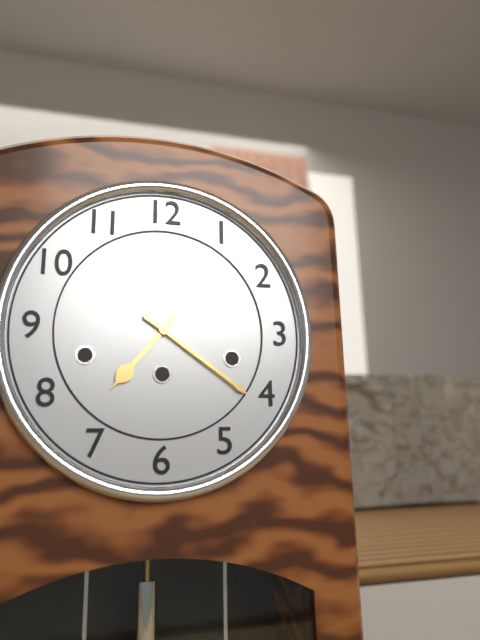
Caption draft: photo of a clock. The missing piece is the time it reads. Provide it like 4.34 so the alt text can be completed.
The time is 7.21
